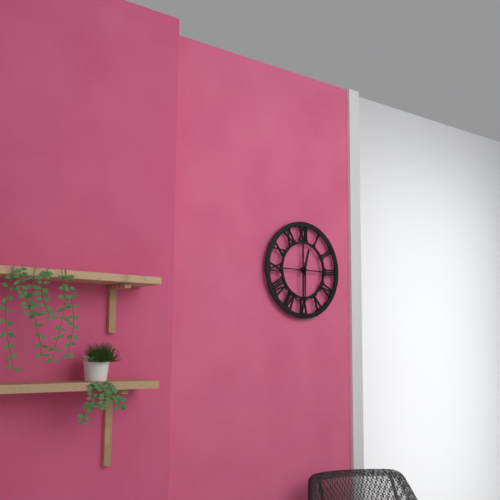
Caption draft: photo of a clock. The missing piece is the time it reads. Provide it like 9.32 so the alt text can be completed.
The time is 12.30
